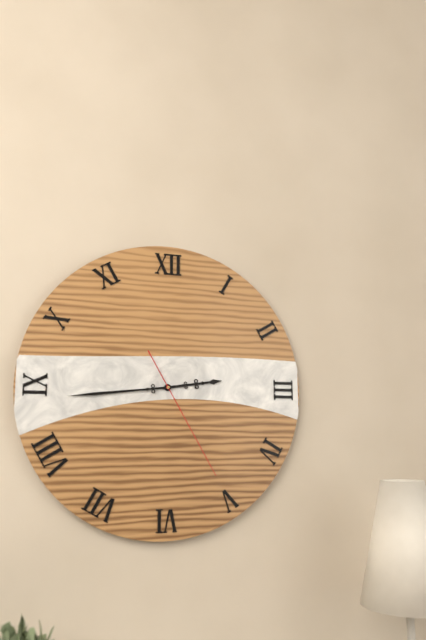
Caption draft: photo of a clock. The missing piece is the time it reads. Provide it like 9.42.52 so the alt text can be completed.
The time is 2.44.25
